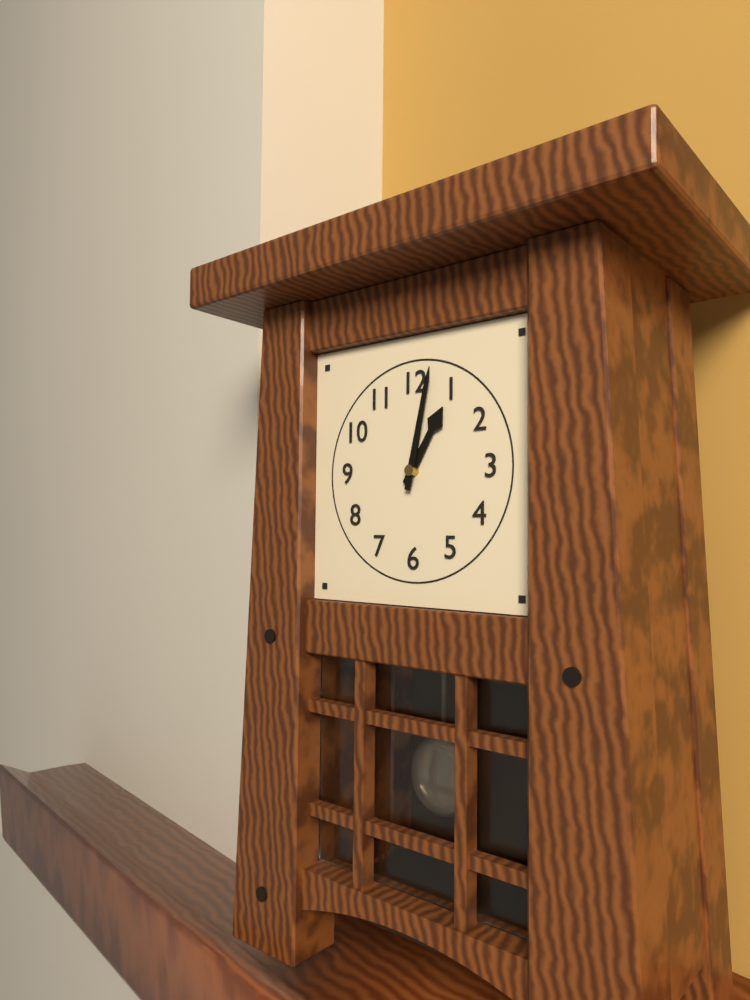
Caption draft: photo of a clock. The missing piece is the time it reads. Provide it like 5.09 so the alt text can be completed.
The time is 1.02
